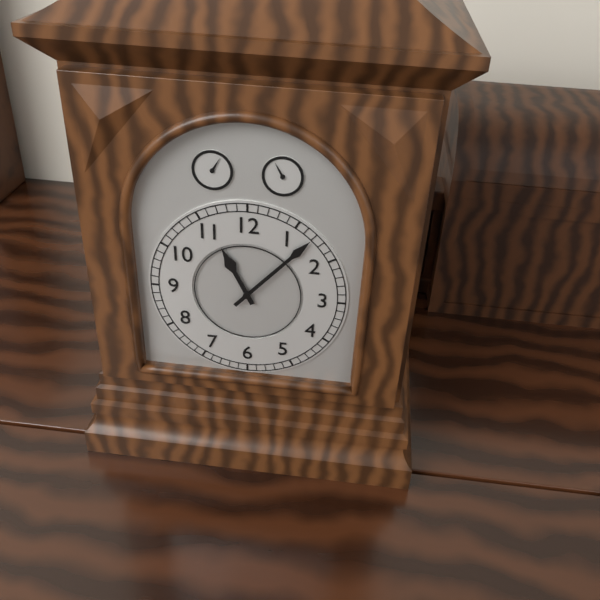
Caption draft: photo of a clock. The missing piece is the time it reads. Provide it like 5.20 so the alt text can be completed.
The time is 11.07
